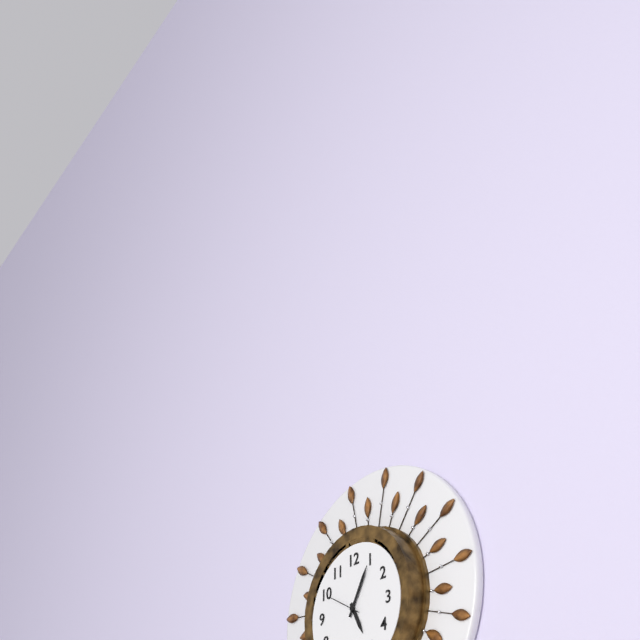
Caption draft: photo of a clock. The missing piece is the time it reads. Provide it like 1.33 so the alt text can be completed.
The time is 5.05
